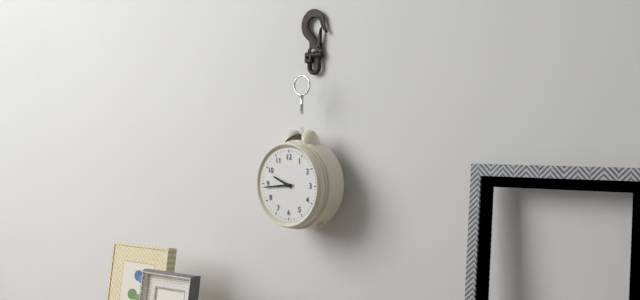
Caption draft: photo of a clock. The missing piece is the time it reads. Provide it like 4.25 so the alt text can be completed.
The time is 9.44
